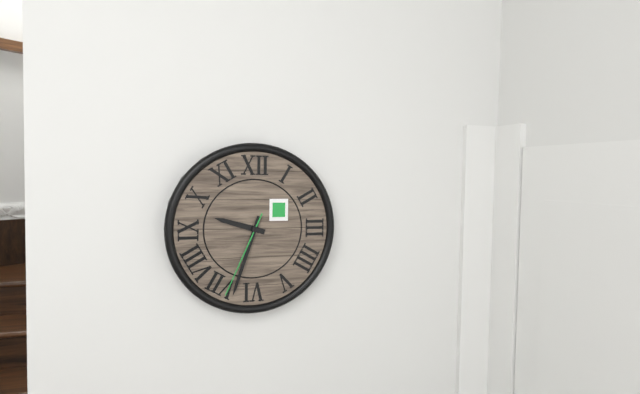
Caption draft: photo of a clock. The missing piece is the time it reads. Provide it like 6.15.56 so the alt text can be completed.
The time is 9.33.34
